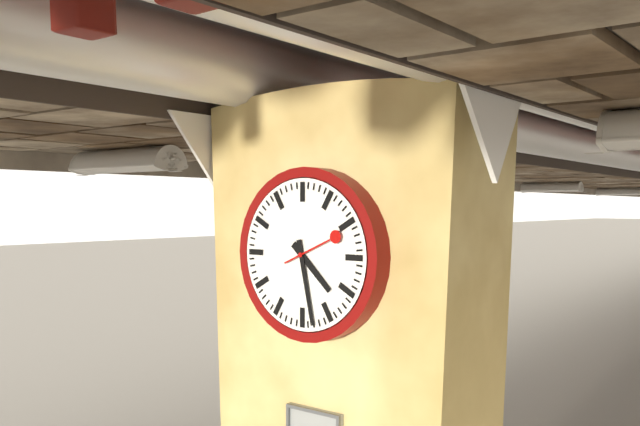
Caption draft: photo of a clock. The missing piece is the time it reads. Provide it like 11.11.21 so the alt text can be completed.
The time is 4.28.11
